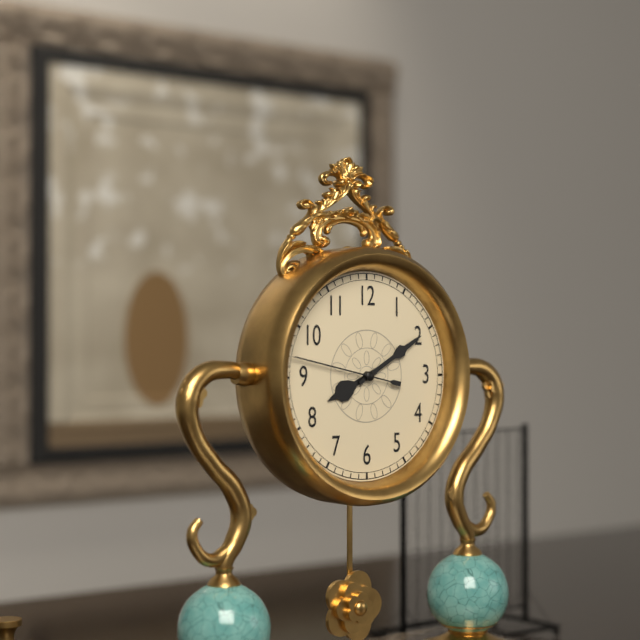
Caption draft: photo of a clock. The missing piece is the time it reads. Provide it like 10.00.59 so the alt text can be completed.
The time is 8.10.47
